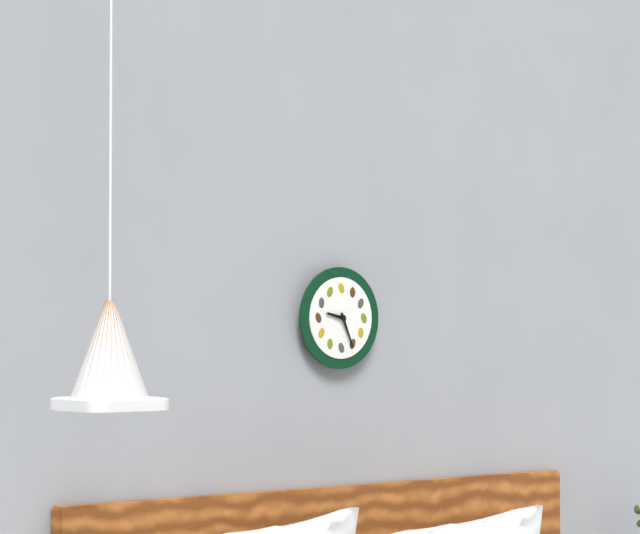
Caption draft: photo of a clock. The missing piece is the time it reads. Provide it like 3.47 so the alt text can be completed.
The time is 9.26
